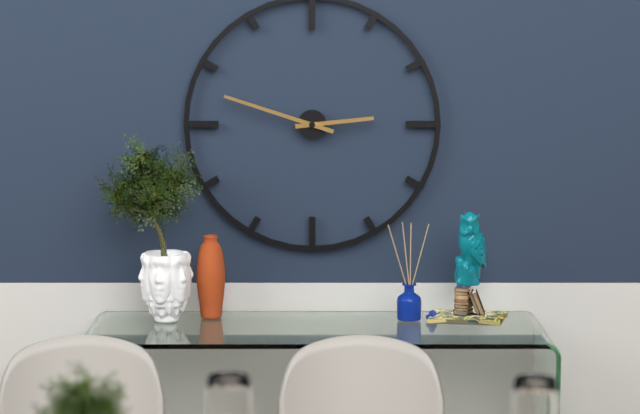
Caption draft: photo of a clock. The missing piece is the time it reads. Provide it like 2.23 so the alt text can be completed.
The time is 2.48
